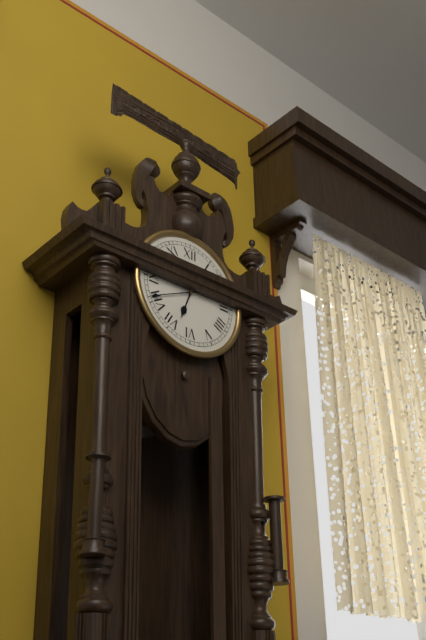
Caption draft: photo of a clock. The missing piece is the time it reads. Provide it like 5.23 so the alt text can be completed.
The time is 6.41
